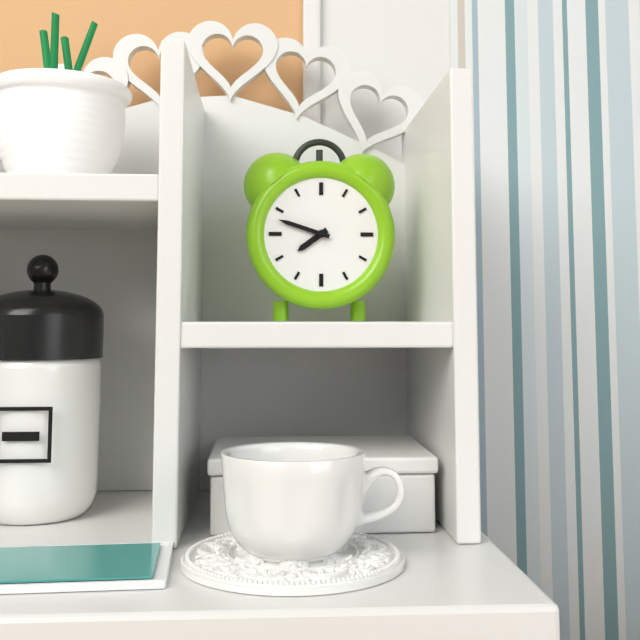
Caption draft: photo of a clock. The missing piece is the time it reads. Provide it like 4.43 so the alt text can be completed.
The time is 7.48
